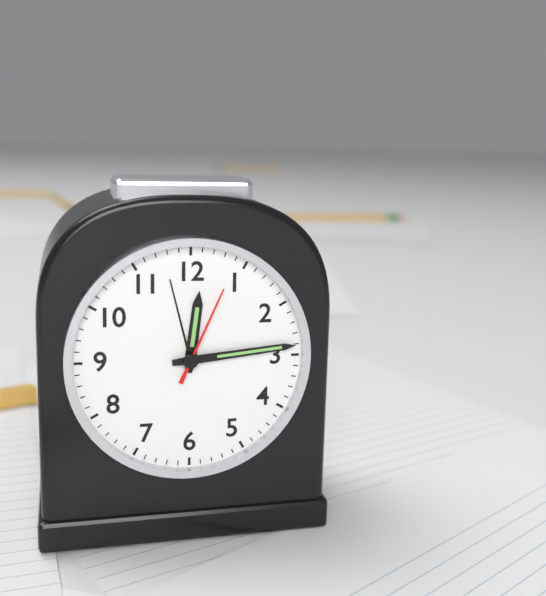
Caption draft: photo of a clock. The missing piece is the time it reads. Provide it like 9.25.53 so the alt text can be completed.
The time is 12.14.04
